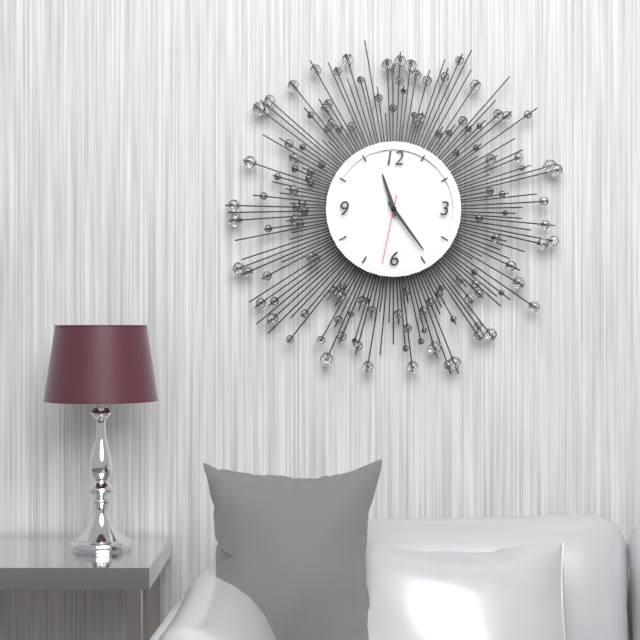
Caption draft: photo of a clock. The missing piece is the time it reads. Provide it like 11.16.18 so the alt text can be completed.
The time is 11.24.32
